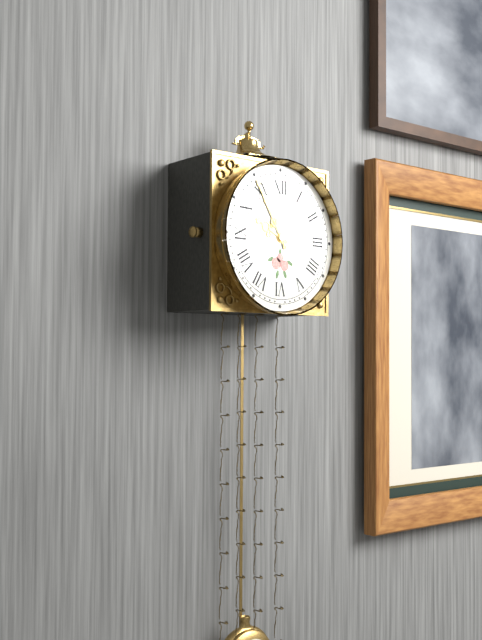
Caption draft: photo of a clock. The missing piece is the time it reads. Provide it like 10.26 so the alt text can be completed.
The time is 9.55
